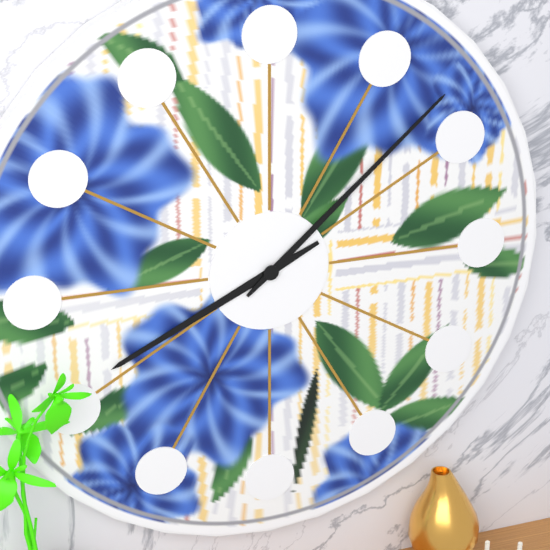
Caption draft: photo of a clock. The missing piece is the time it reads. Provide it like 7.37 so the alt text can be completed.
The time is 8.08
